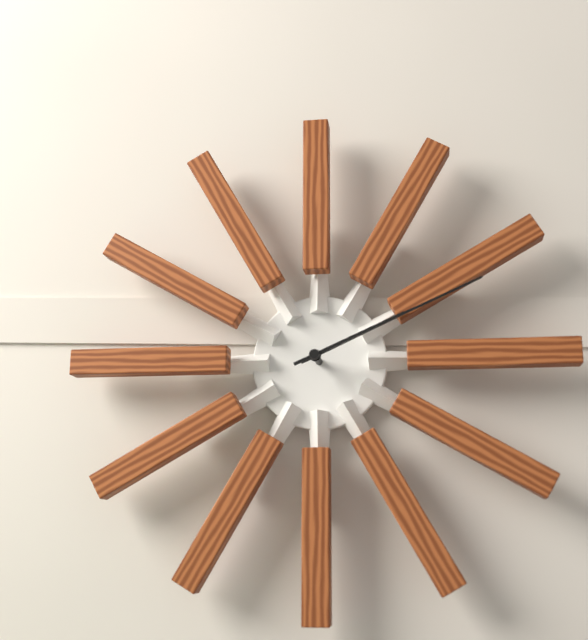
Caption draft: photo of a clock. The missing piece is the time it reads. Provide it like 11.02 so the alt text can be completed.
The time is 2.11
